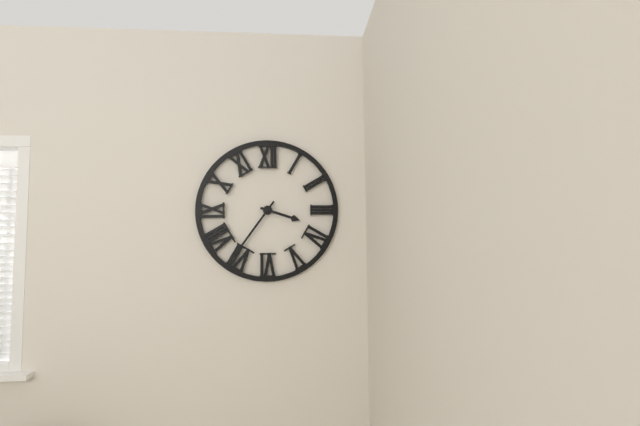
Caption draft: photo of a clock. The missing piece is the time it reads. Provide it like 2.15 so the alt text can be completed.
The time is 3.36
